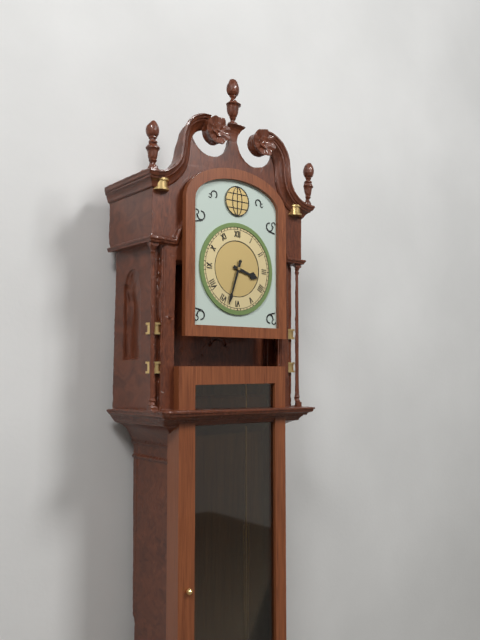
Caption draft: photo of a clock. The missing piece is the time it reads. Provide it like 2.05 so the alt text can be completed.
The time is 3.33
